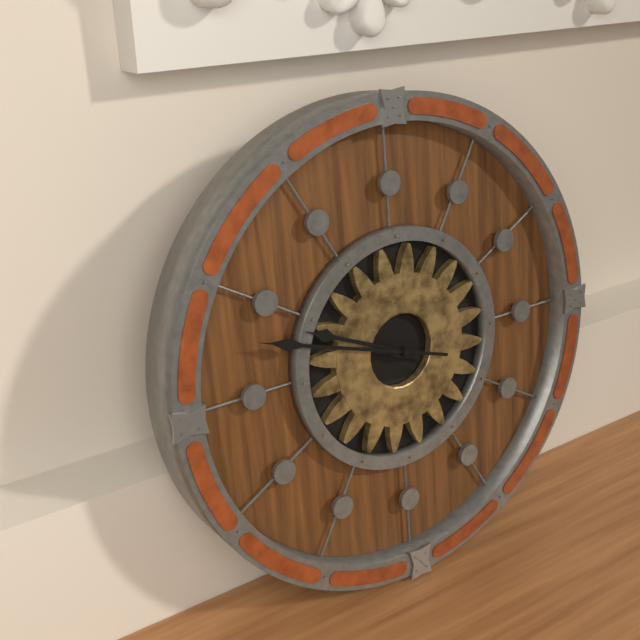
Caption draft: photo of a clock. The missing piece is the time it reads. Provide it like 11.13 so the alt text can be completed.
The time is 9.48
